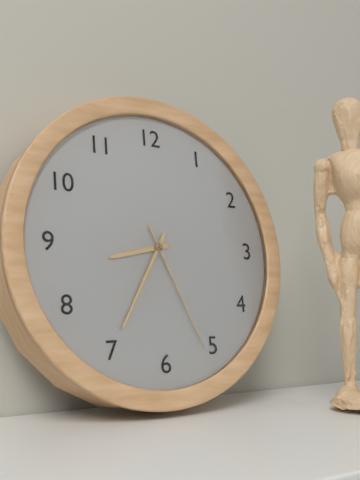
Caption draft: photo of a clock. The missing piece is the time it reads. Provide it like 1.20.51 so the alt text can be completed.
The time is 8.35.26
